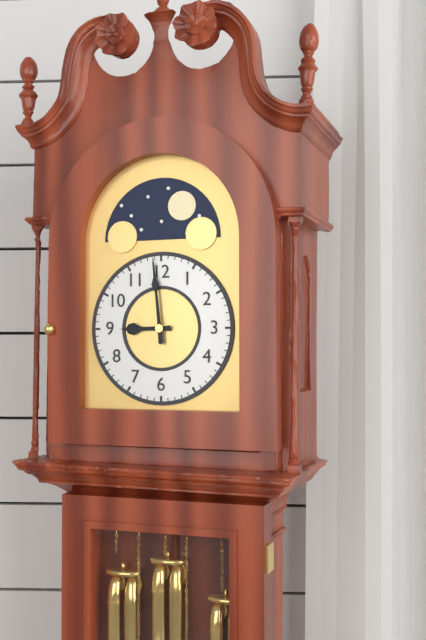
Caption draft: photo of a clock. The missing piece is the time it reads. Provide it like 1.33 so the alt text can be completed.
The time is 8.59
